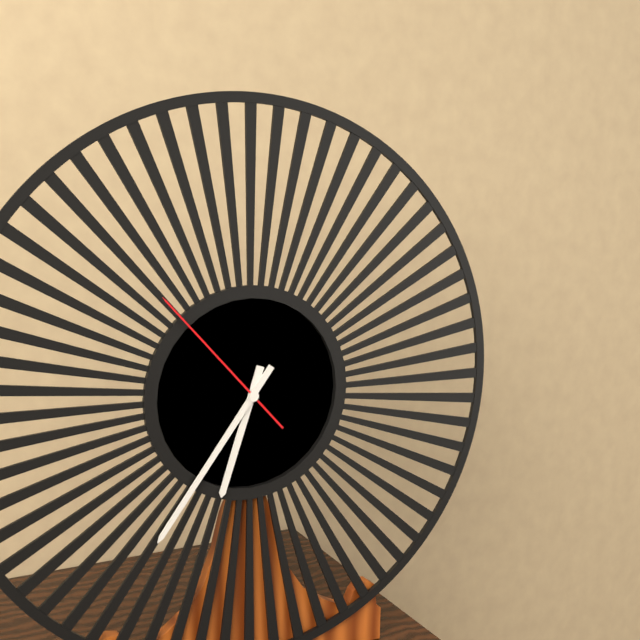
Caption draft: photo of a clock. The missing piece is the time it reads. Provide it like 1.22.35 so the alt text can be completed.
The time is 6.36.53
